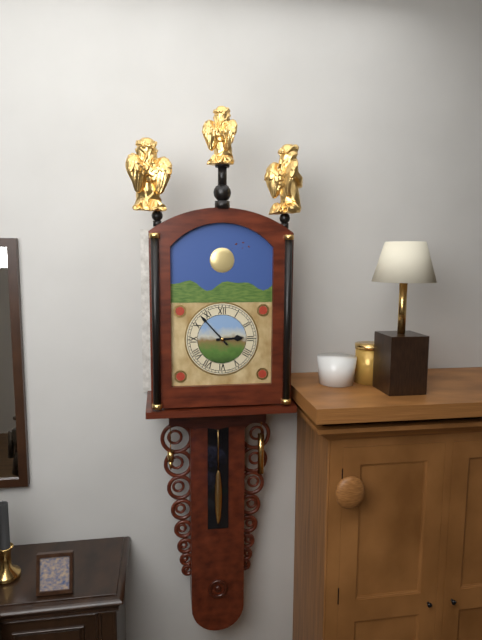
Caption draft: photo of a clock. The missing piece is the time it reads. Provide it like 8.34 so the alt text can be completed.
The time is 2.53
